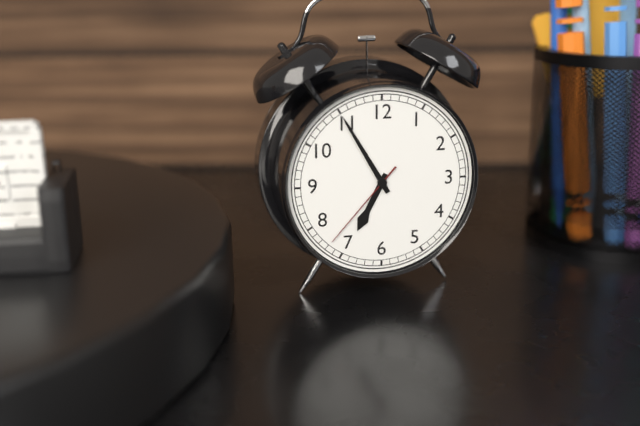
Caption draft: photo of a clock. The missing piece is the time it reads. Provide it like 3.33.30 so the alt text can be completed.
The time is 6.55.37
